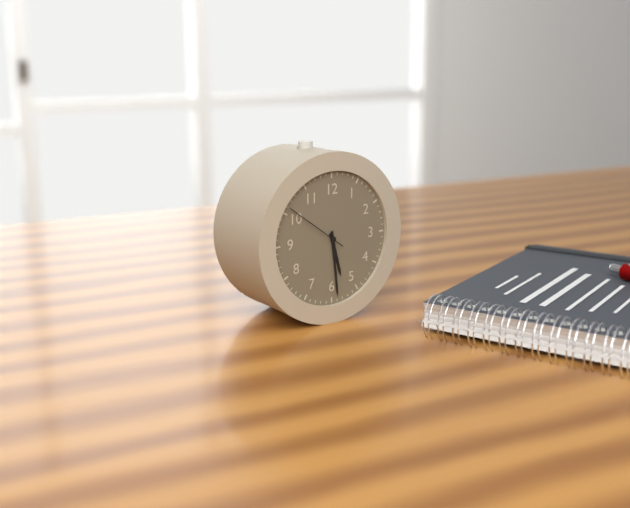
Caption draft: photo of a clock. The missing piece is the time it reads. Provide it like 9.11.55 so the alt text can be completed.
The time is 5.29.51
